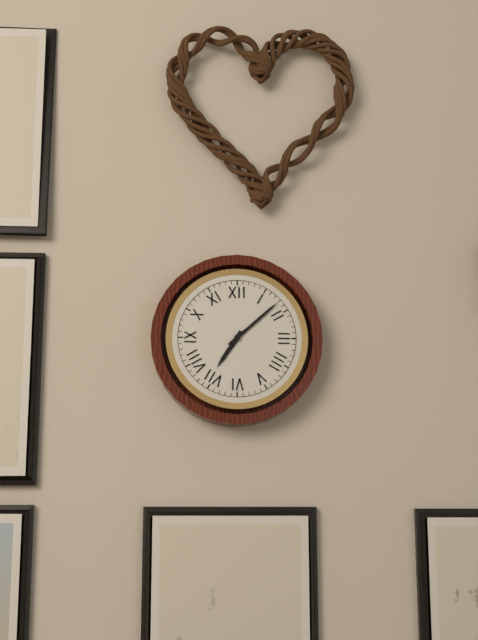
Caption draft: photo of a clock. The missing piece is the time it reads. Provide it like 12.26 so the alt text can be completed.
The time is 7.08
